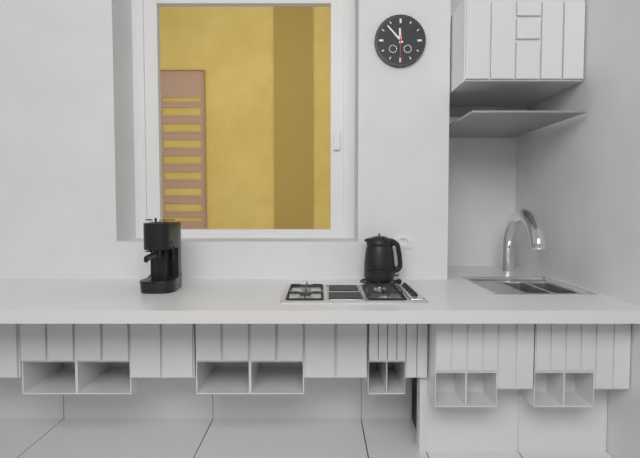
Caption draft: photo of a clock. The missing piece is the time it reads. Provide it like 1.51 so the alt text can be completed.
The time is 11.53
